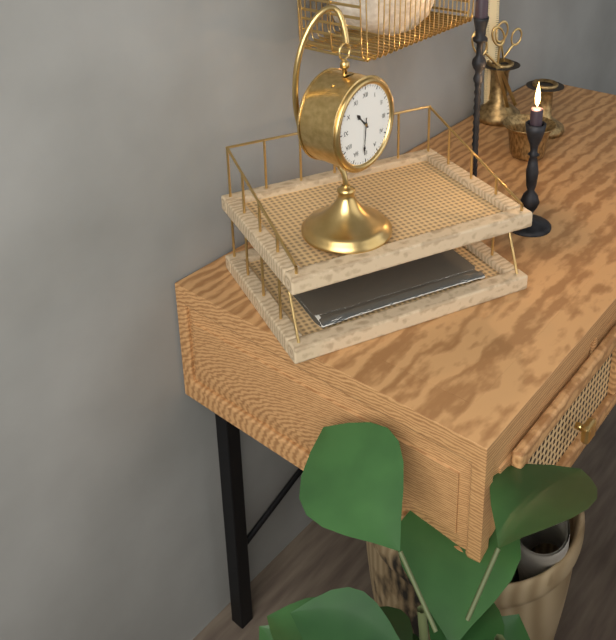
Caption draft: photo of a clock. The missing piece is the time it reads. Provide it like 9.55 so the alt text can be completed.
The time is 10.31
